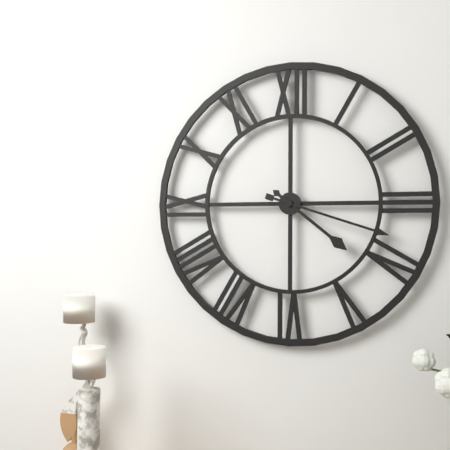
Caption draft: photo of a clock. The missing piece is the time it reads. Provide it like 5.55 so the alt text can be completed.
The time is 4.18
